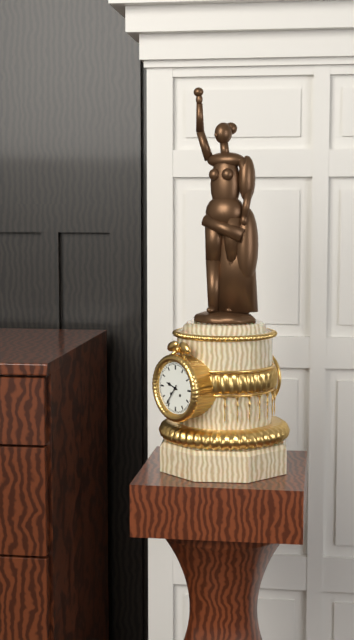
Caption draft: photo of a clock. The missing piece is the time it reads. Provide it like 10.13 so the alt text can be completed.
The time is 9.36
